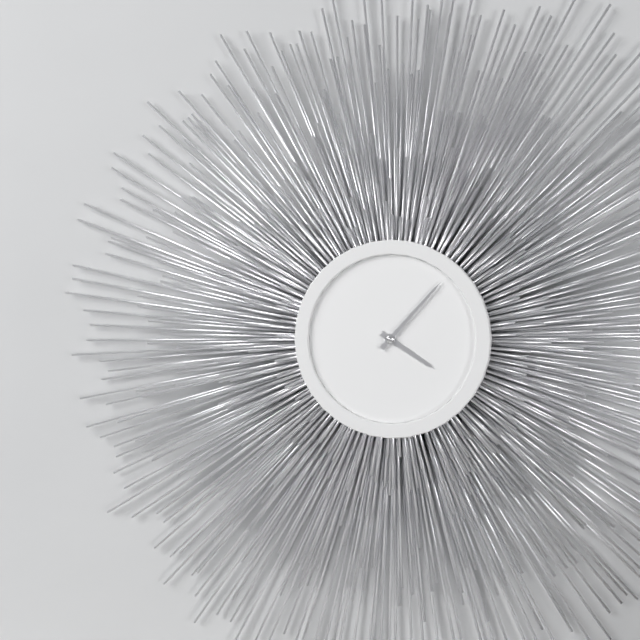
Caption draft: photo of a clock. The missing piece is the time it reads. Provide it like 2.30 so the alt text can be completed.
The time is 4.07
